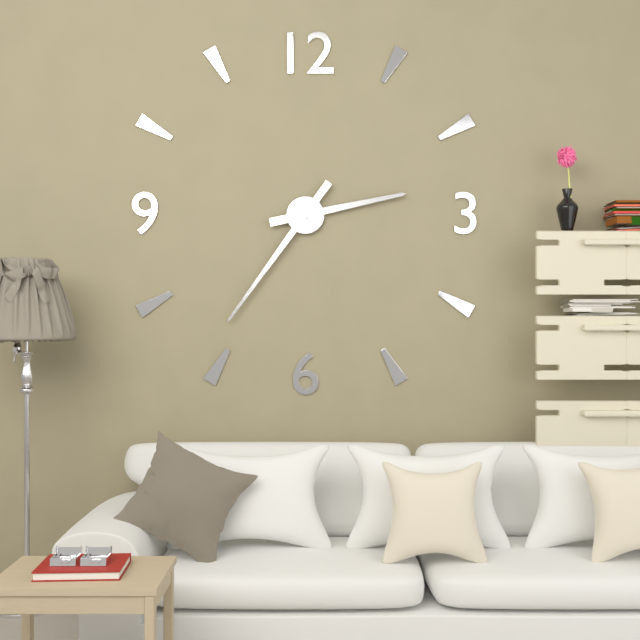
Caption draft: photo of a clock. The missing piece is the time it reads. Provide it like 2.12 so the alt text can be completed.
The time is 2.36
